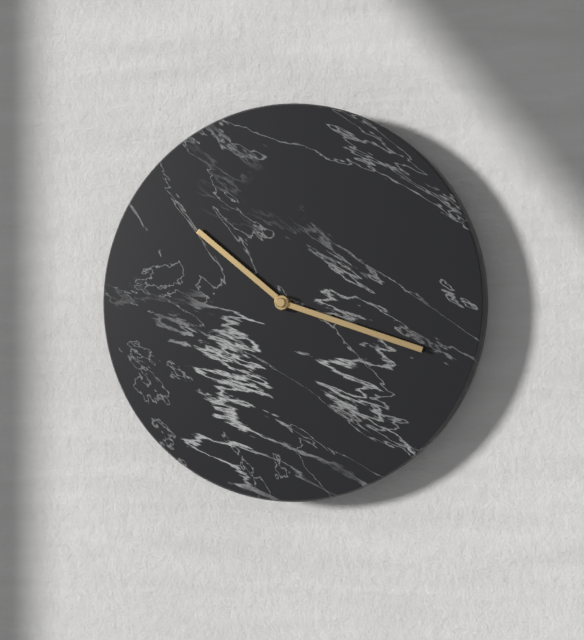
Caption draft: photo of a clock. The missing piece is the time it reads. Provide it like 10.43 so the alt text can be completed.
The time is 10.18
